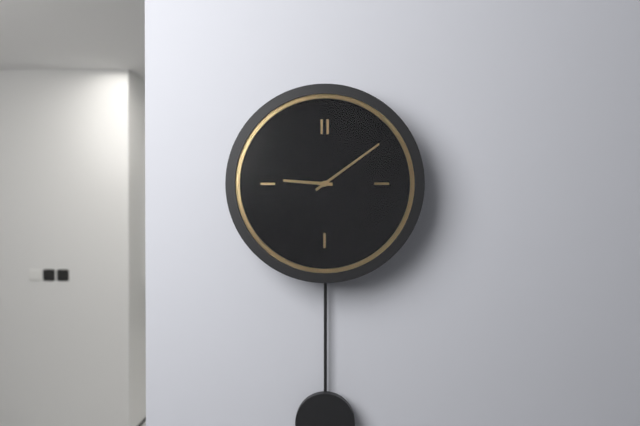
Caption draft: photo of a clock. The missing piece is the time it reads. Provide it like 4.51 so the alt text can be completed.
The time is 9.09
